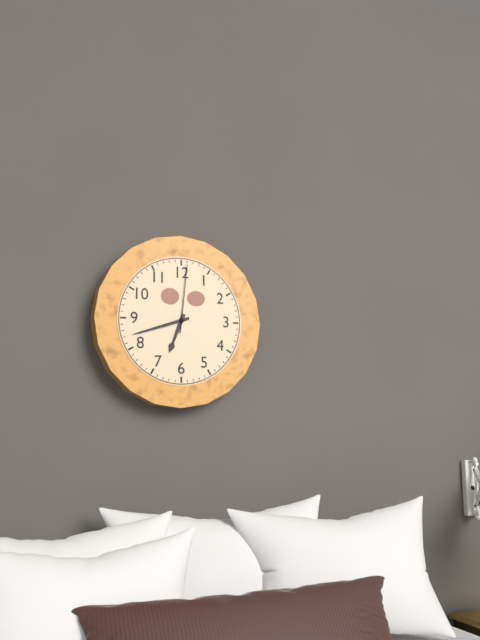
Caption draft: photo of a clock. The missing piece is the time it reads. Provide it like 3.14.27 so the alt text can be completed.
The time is 6.42.01
